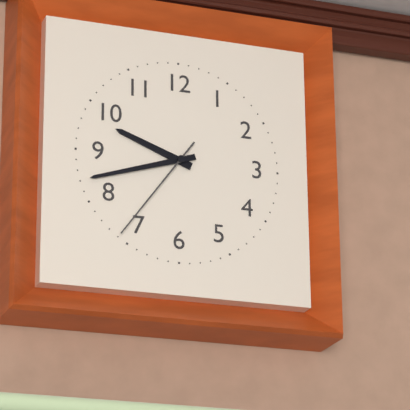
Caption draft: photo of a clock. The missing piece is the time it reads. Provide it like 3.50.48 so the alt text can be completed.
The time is 9.42.36
